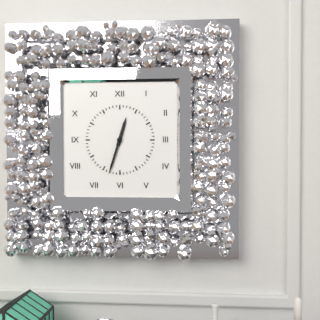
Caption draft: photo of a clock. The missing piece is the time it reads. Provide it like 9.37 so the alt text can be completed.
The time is 12.33
